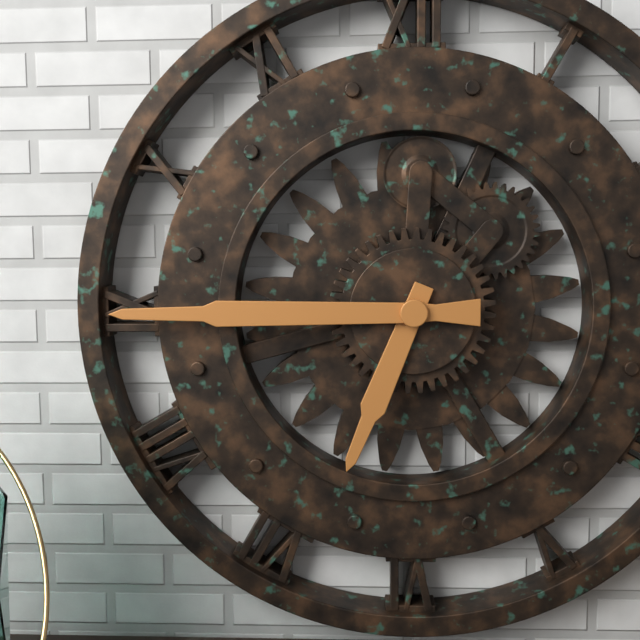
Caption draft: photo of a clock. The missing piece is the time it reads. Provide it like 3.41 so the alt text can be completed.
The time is 6.45
